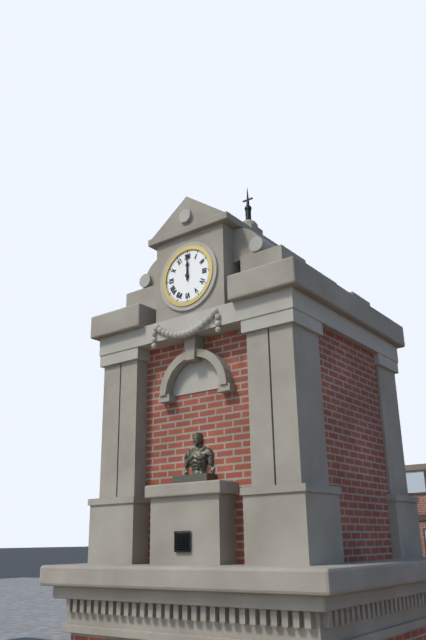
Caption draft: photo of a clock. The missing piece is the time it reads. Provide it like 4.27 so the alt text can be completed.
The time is 12.00
